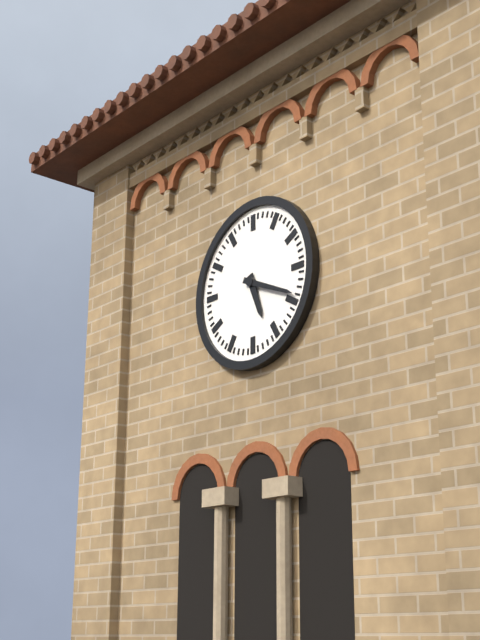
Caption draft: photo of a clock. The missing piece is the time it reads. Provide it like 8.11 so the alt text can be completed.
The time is 5.19
